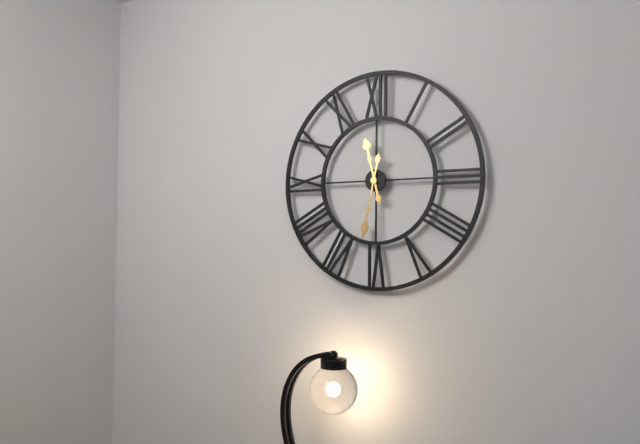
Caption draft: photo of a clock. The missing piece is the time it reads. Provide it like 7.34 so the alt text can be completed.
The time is 11.32
